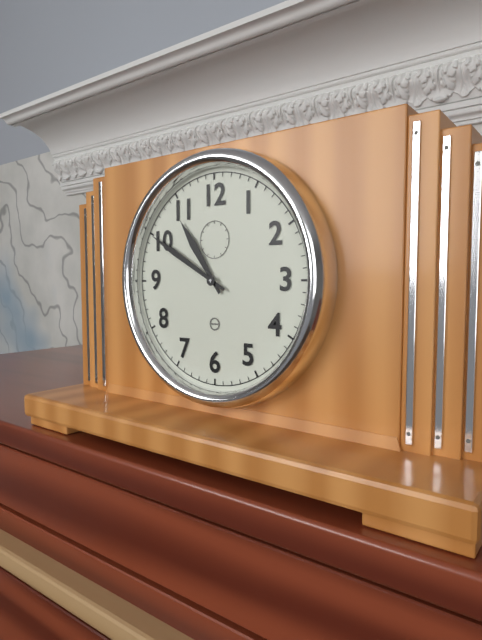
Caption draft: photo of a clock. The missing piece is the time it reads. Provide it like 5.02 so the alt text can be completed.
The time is 10.50
